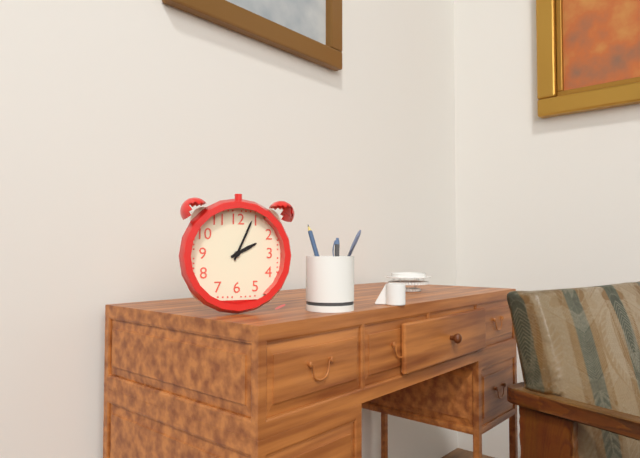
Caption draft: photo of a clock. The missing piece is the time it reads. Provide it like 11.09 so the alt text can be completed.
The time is 2.04
